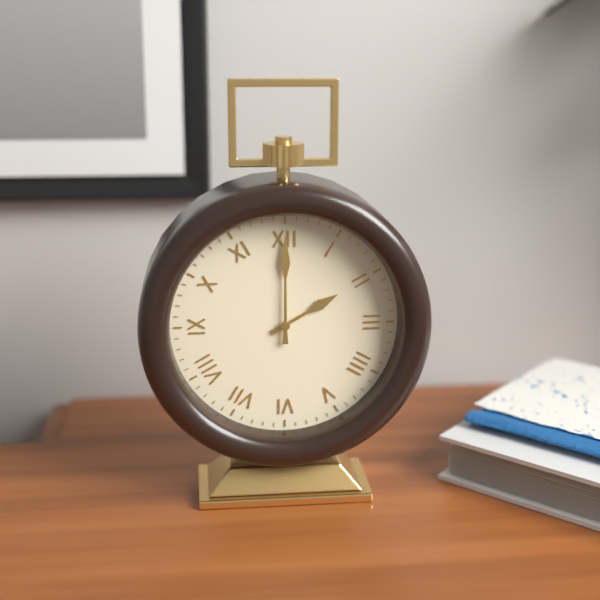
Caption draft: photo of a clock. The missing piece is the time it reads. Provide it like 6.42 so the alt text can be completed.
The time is 2.00
